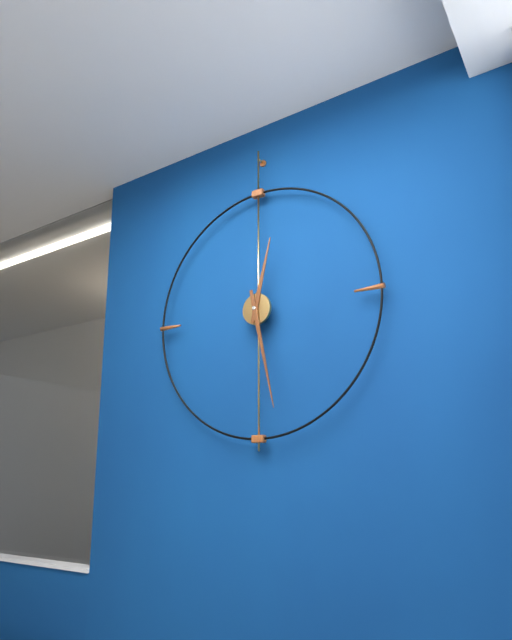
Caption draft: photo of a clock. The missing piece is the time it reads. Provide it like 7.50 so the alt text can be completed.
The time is 12.28
